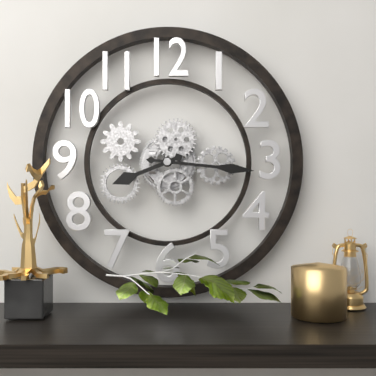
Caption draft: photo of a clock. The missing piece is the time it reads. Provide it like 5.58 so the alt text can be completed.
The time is 8.16
